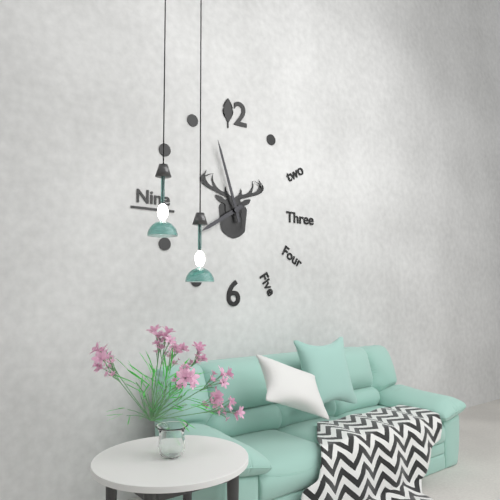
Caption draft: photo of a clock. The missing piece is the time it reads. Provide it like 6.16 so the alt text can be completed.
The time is 7.57
